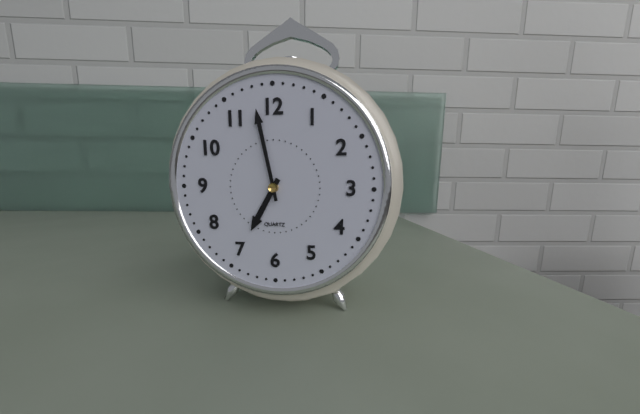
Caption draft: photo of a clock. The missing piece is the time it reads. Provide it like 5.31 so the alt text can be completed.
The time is 6.58
